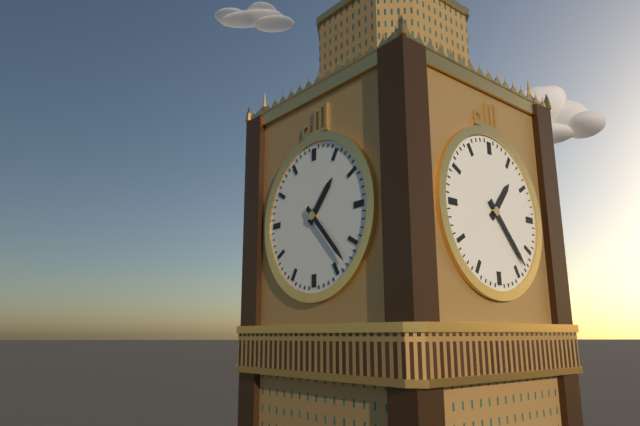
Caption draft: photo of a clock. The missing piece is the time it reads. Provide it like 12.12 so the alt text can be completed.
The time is 1.23
